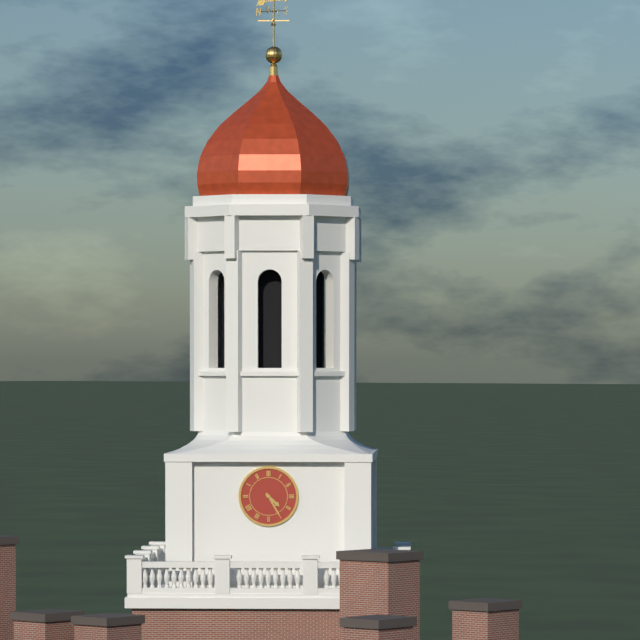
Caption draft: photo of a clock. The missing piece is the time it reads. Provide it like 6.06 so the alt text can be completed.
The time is 4.25
